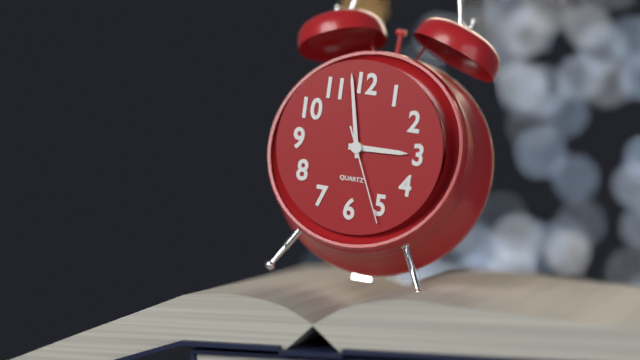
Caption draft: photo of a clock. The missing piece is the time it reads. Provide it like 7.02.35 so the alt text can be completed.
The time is 2.58.26
